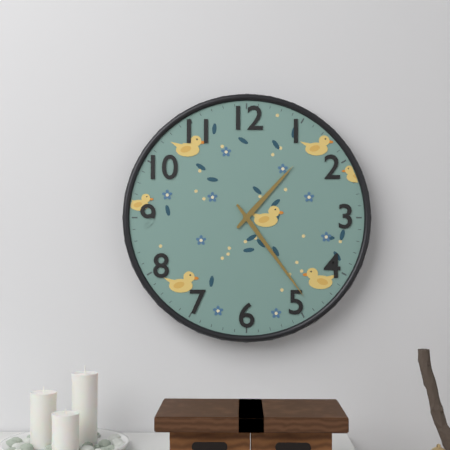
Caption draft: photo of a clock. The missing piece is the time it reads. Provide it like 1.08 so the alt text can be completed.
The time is 1.24
